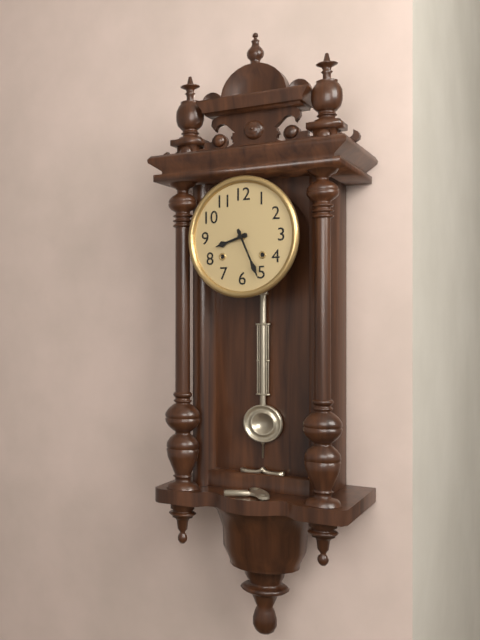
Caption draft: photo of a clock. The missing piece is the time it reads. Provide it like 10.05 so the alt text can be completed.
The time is 8.26
